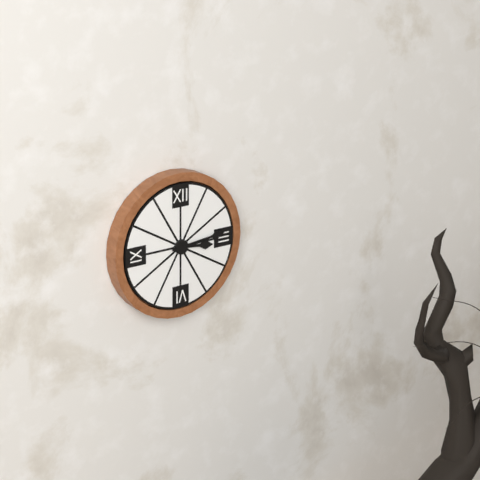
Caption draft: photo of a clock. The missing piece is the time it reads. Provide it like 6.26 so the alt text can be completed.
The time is 3.14
